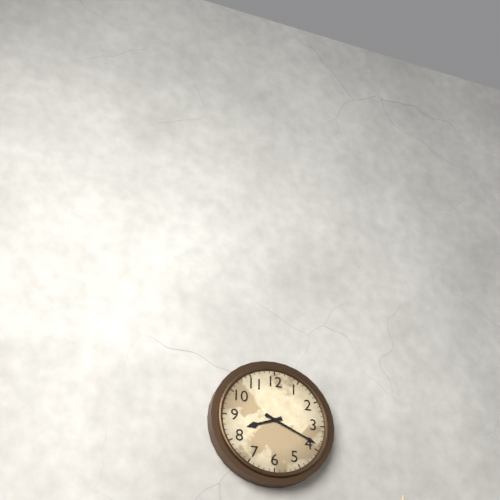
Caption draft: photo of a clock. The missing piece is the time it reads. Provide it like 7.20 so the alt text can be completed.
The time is 8.19
